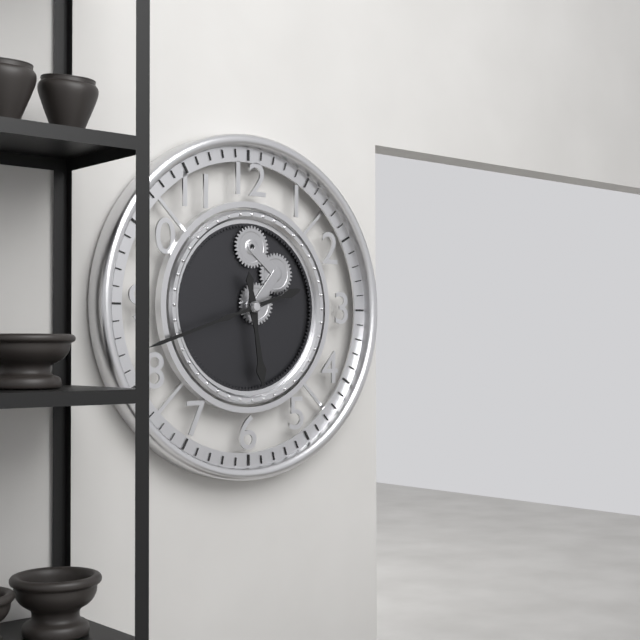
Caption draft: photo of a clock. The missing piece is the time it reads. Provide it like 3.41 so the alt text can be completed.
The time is 5.42
